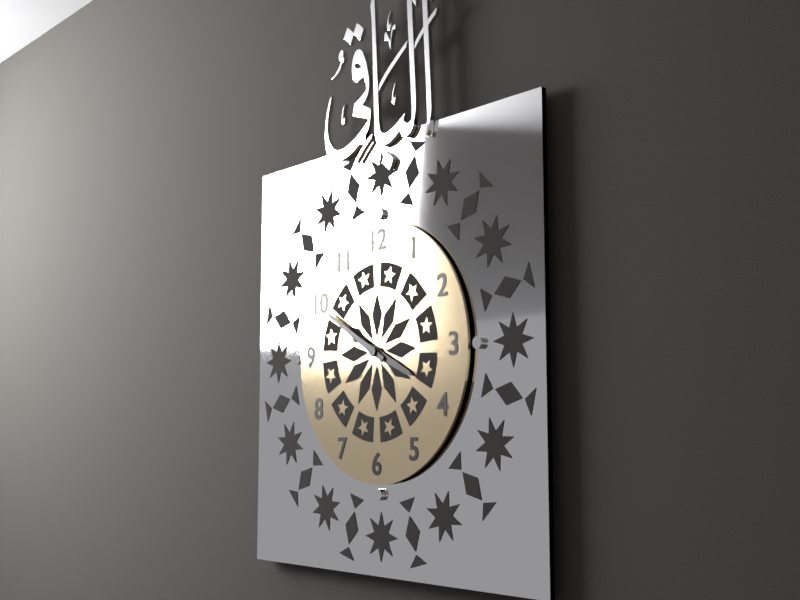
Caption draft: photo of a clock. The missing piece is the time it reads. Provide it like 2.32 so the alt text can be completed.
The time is 3.50
